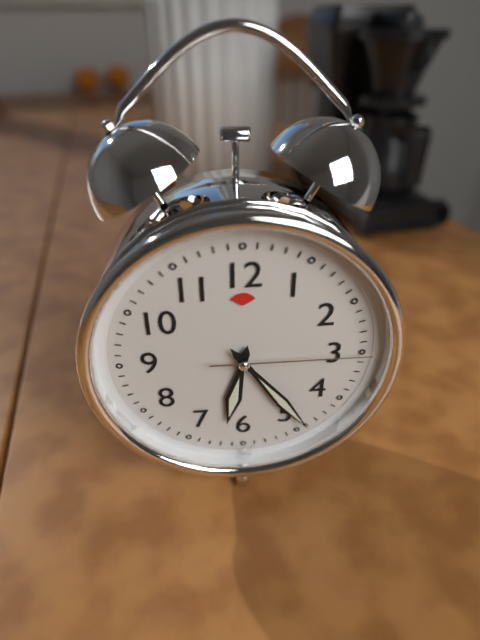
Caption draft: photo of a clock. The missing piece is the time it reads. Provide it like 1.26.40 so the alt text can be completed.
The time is 6.24.15
